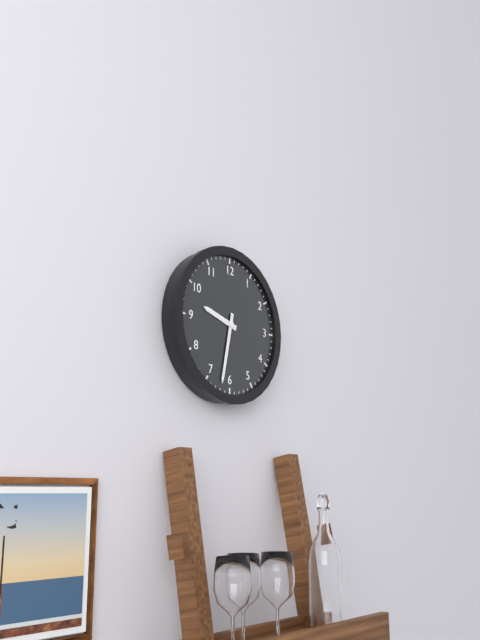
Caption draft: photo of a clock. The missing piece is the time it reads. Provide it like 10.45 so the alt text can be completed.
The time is 9.32
